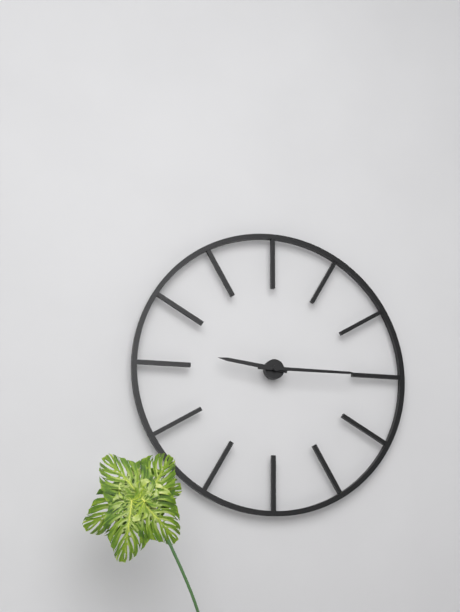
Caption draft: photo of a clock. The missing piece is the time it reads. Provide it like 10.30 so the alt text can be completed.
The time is 9.15
